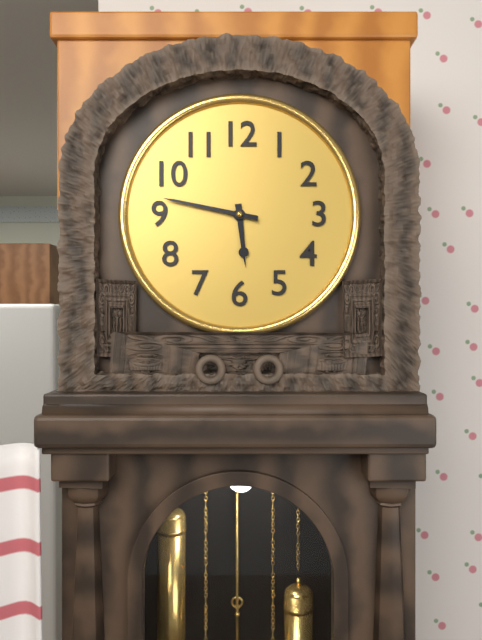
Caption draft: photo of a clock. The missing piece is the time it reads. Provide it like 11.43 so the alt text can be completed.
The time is 5.47
